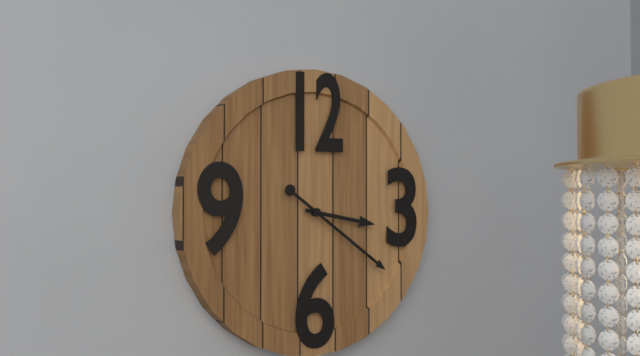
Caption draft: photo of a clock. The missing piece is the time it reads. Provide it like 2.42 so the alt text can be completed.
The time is 3.21
